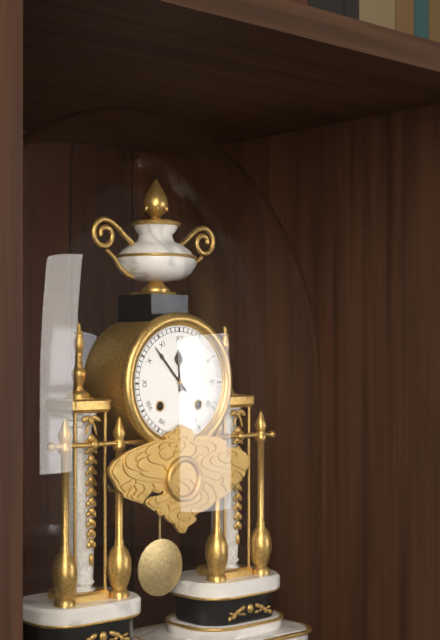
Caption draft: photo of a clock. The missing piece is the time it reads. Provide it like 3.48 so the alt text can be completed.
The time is 11.53
